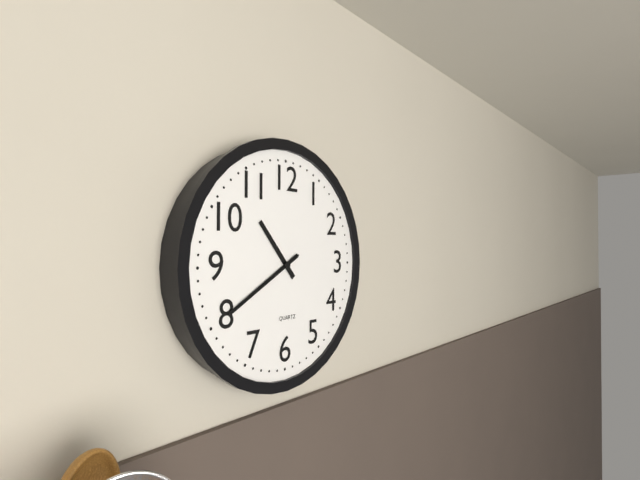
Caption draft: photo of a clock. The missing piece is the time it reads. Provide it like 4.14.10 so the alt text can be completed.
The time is 10.40.40
